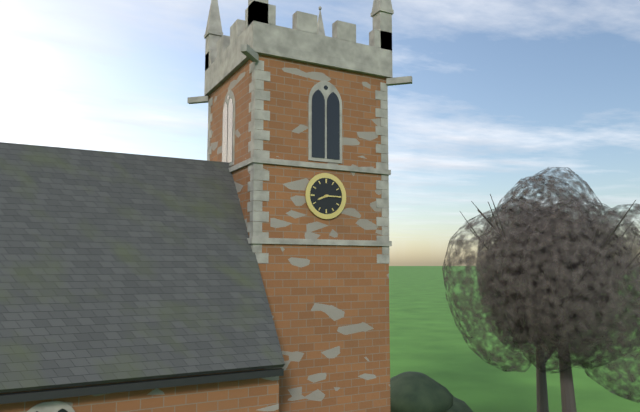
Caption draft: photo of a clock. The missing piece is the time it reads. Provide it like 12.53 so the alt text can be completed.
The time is 8.15
